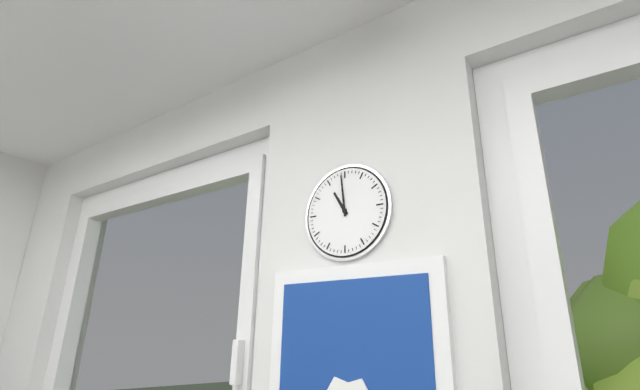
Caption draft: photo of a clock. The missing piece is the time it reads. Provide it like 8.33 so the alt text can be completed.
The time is 10.59
